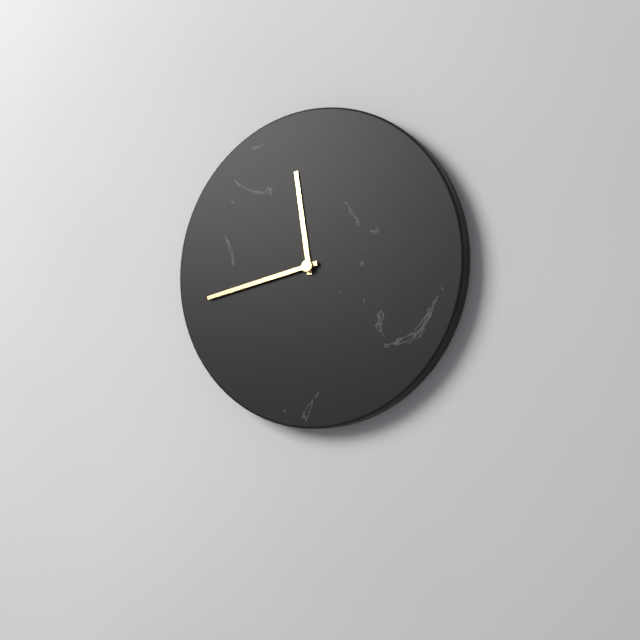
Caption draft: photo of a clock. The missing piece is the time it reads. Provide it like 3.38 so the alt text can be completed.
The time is 11.43
